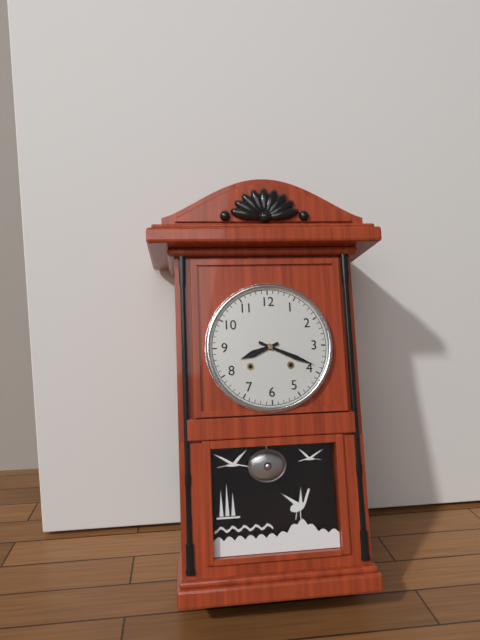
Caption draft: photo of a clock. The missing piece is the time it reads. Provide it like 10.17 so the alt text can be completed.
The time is 8.19
